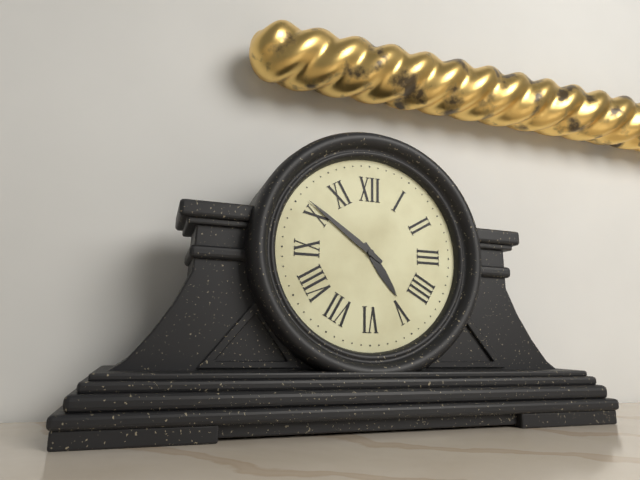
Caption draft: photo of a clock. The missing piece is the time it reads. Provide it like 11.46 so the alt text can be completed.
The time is 4.51
